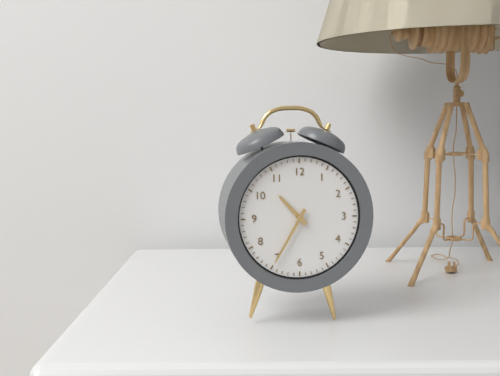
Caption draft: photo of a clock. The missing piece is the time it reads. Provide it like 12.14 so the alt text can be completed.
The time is 10.35
